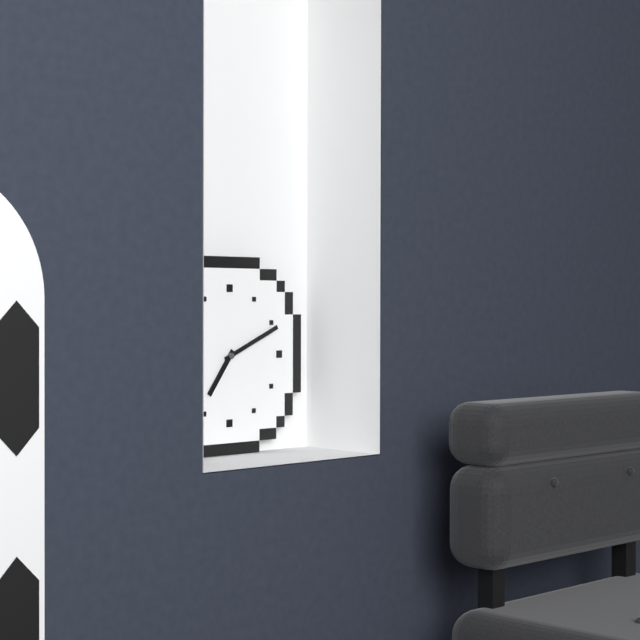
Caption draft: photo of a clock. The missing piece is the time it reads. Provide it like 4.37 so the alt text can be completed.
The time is 7.11
